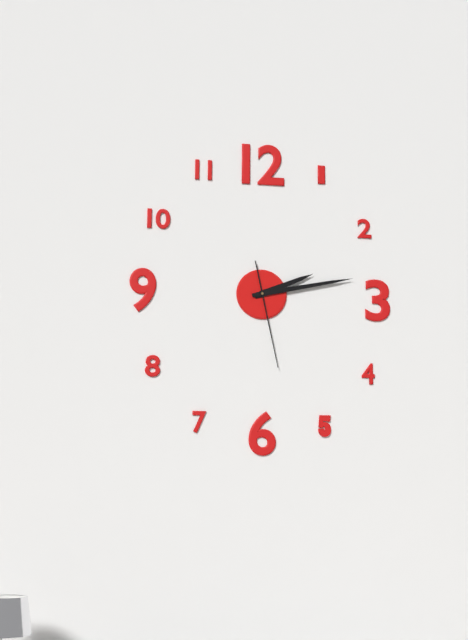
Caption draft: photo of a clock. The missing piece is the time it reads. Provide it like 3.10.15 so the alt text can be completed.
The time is 2.13.28
